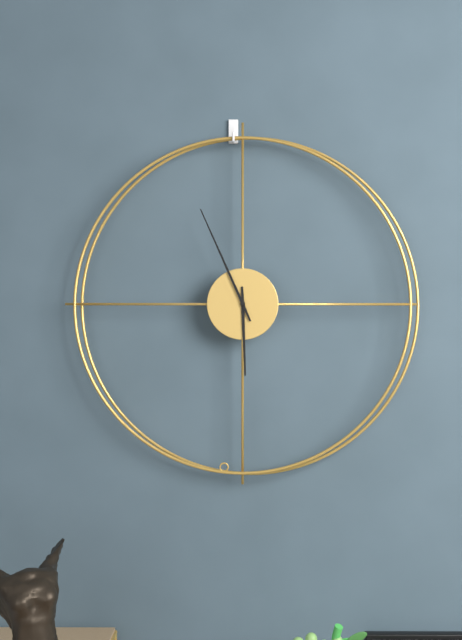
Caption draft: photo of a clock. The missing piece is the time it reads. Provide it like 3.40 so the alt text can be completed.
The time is 5.56
